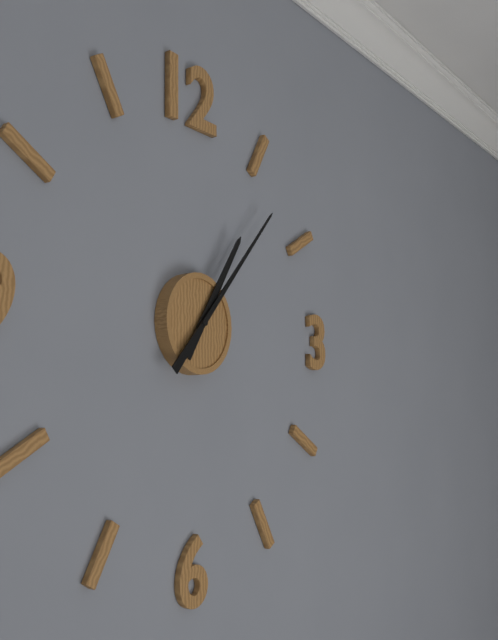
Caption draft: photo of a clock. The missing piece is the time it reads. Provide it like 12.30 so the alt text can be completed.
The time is 1.07
